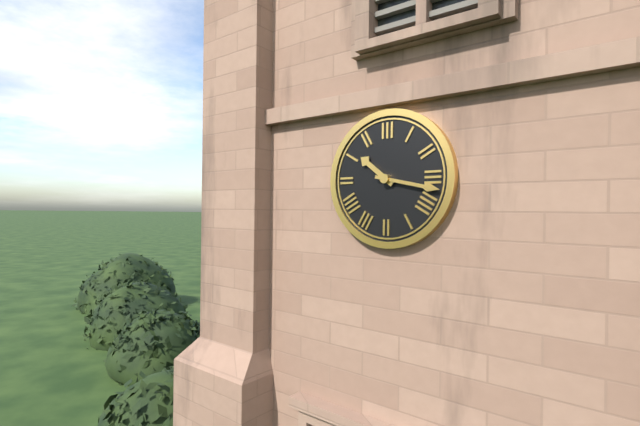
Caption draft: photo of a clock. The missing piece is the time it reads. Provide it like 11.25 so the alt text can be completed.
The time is 10.17
